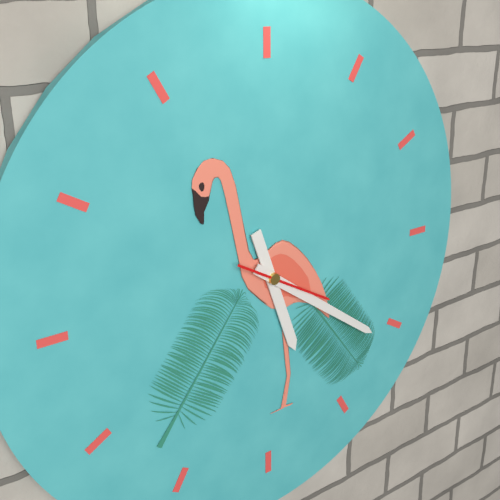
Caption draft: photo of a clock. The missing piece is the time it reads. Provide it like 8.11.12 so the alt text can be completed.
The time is 5.21.20
